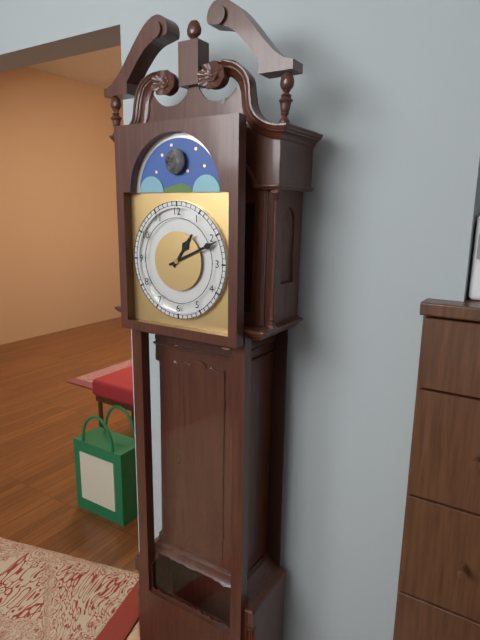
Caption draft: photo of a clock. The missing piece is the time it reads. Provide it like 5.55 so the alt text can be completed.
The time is 1.11
